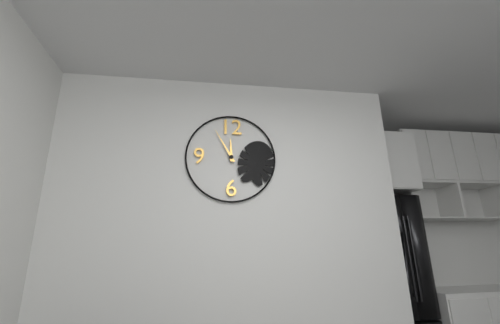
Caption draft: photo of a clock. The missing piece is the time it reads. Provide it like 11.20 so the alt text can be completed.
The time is 11.55
